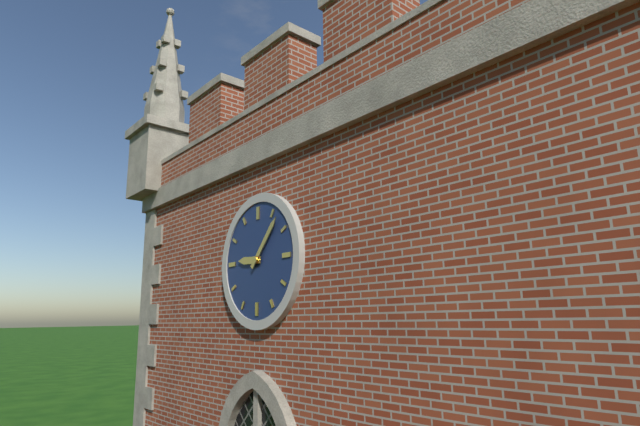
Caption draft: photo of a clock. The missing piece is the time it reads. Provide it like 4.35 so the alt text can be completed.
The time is 9.07
